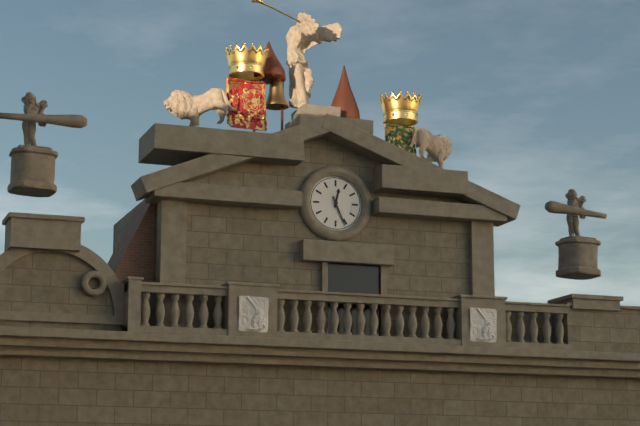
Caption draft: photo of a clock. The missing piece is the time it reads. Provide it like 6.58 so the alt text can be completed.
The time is 12.26
